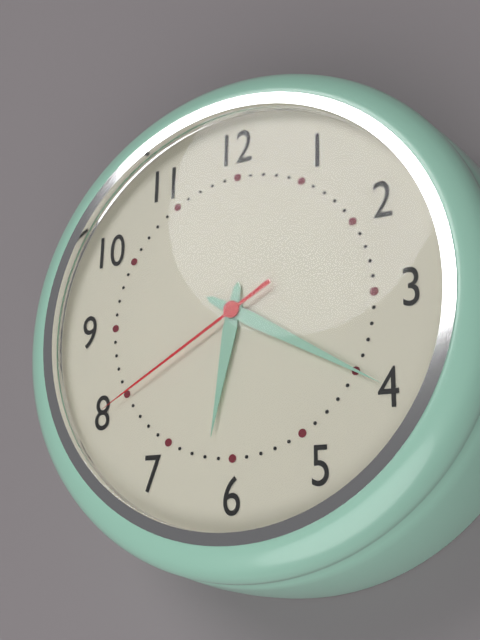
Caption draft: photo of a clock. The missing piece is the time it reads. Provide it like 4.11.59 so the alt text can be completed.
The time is 6.20.40
